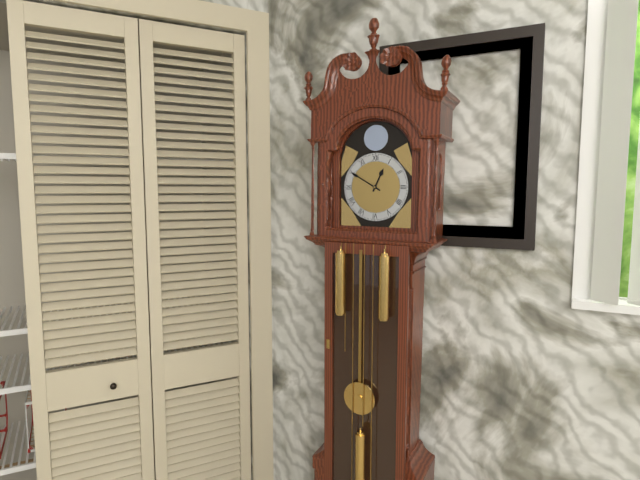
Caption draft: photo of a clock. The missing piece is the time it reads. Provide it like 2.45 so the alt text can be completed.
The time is 12.50
